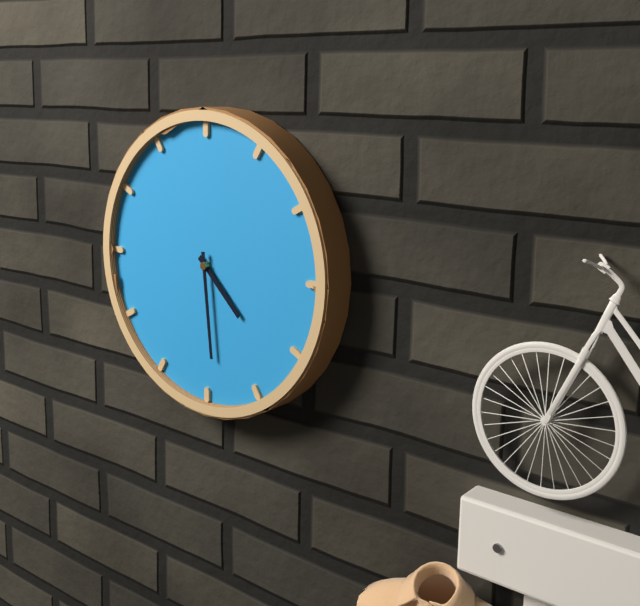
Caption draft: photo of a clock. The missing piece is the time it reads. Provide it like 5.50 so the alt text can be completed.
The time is 4.29
